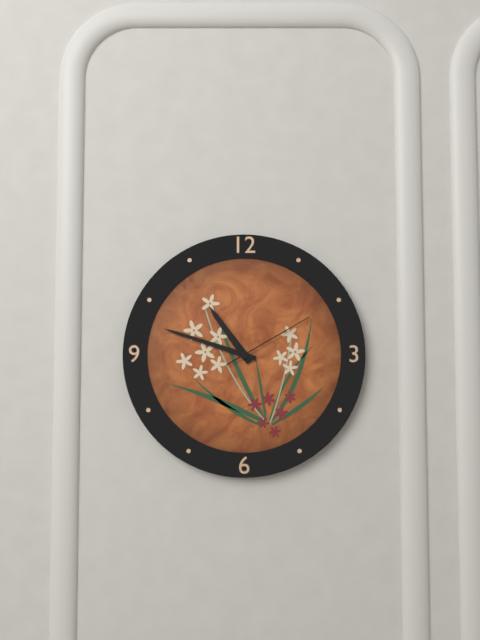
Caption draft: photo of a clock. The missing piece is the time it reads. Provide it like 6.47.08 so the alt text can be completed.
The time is 10.48.10
